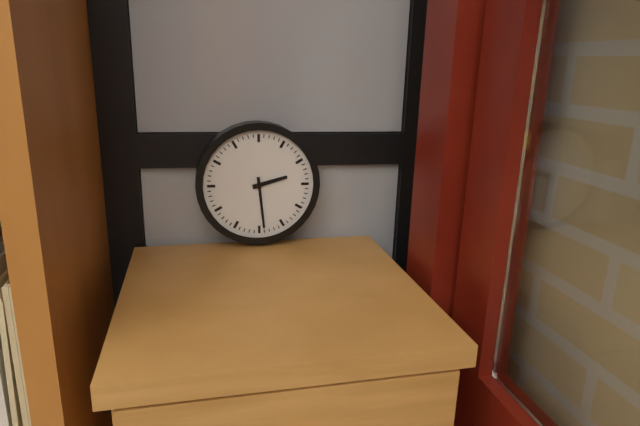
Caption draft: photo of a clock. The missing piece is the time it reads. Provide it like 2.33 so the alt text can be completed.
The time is 2.29
